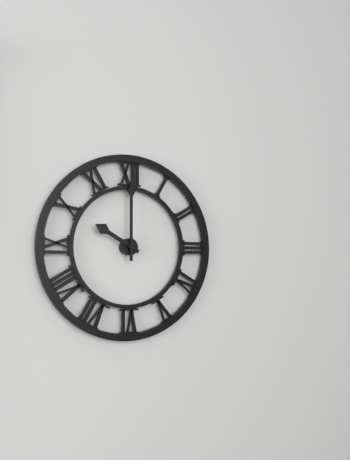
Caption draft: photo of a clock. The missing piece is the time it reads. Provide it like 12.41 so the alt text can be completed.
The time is 10.00
